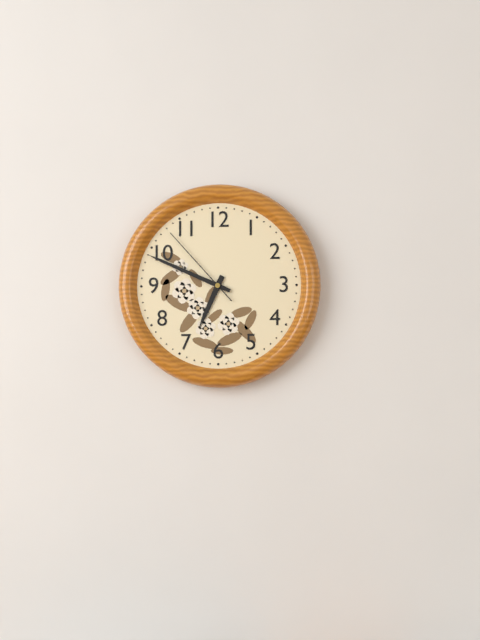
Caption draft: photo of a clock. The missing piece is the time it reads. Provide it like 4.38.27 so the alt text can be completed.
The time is 6.49.53
